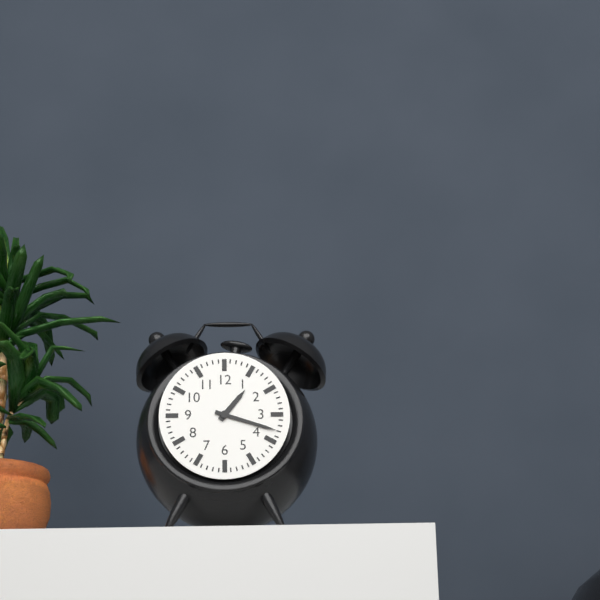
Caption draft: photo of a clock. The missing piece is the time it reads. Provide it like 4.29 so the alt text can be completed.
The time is 1.18
